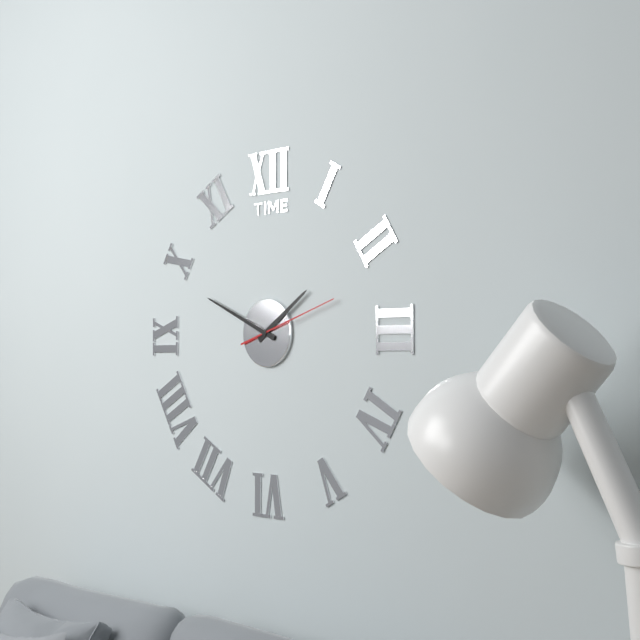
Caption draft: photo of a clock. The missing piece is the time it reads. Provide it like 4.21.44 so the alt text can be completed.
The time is 1.49.12
